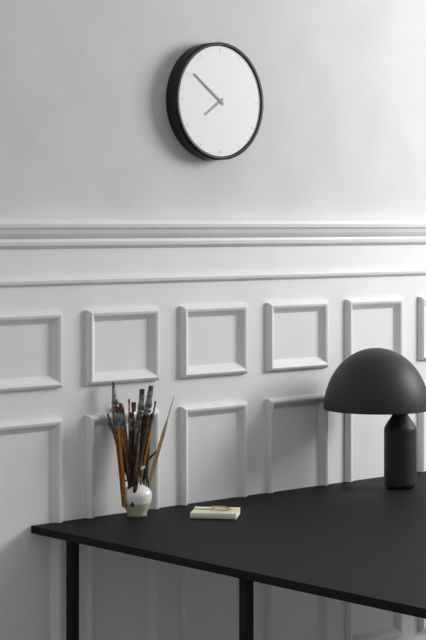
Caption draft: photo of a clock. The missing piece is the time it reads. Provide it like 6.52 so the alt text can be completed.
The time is 7.51
